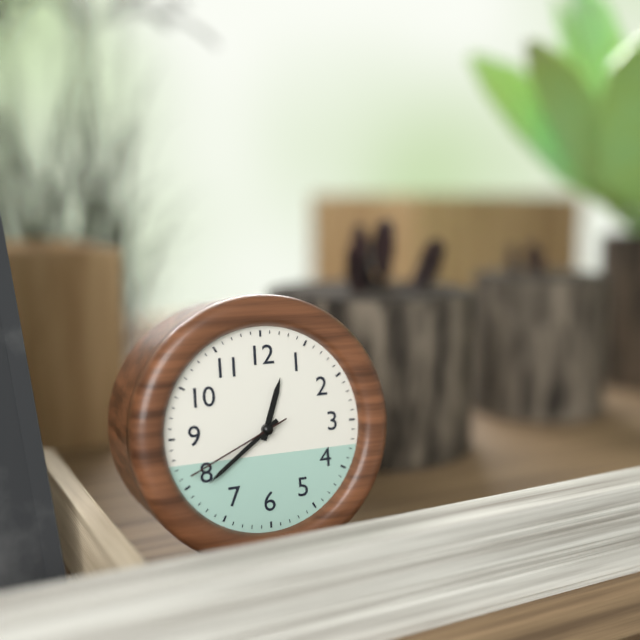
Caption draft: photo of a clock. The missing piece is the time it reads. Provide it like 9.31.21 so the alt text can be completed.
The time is 12.39.41
